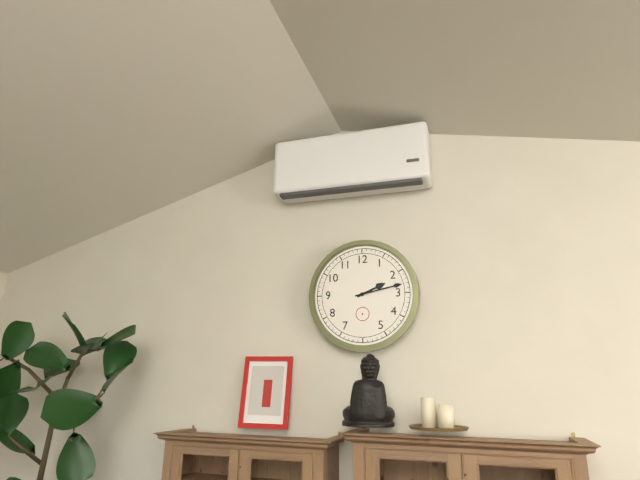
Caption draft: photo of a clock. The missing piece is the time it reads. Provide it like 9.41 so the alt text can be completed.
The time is 2.13
